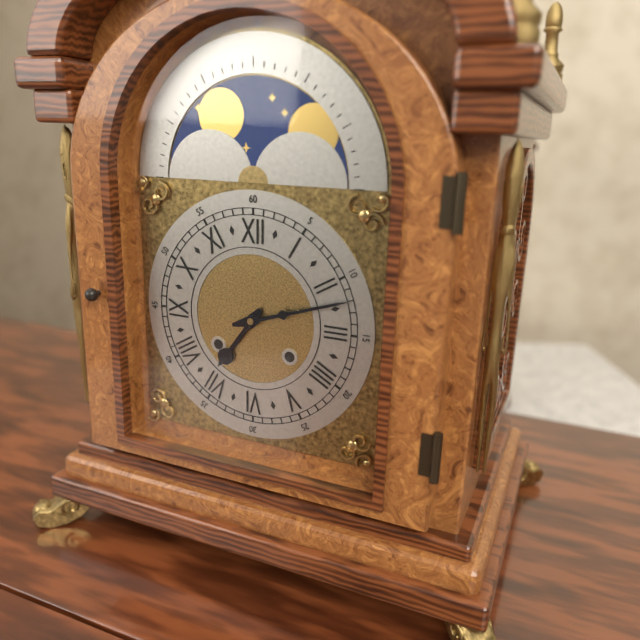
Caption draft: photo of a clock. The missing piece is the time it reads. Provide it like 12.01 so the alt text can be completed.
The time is 7.12
